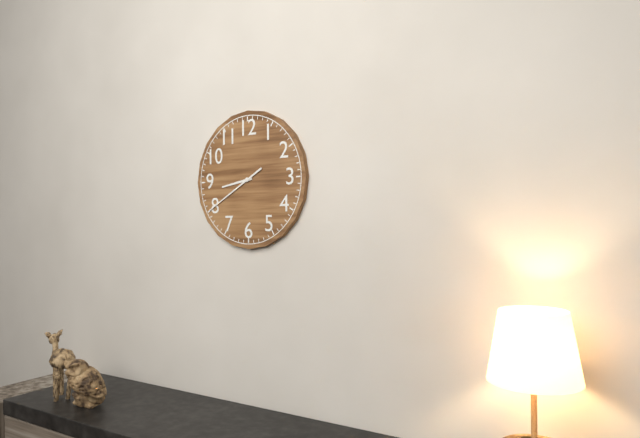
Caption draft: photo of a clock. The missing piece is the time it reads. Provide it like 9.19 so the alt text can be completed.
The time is 8.40
